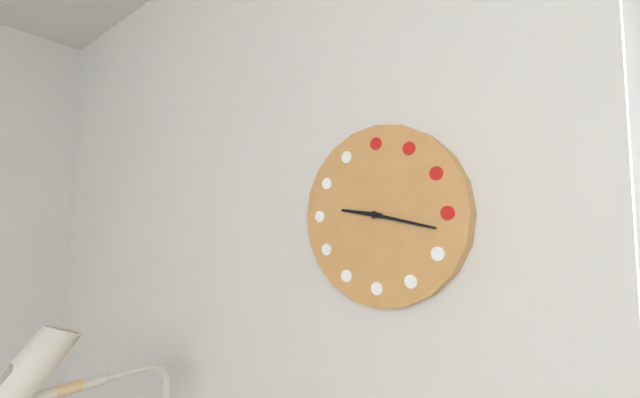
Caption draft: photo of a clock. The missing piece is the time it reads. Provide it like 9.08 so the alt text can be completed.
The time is 9.17
